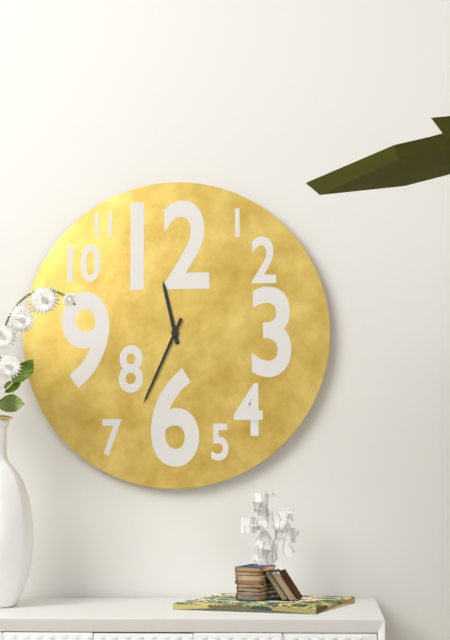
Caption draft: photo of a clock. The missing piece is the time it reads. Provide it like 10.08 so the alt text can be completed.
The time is 11.34
